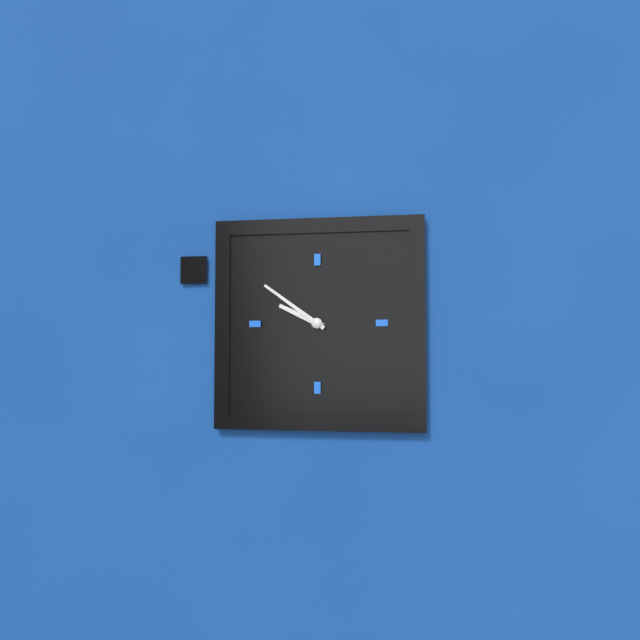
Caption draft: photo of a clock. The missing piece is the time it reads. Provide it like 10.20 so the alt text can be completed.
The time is 9.51
